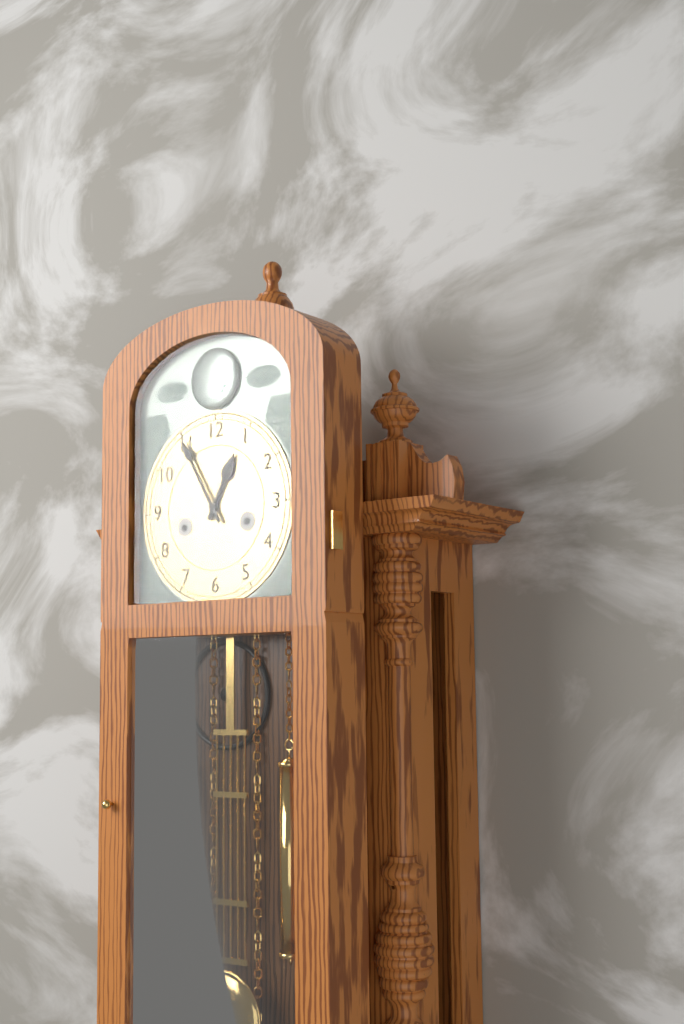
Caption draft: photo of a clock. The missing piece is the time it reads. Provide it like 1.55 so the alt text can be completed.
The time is 12.55
